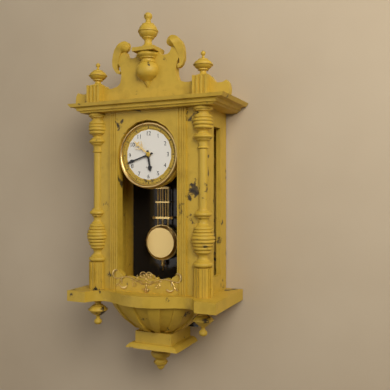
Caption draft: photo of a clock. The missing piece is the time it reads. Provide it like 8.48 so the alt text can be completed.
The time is 5.42
